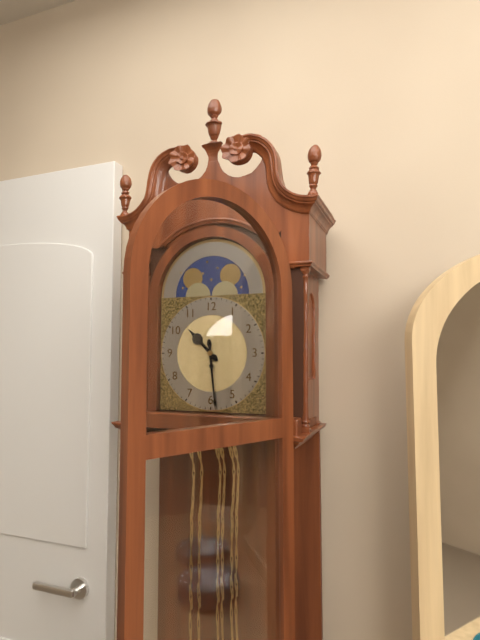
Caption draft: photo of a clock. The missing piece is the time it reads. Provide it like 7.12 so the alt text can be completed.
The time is 10.29
